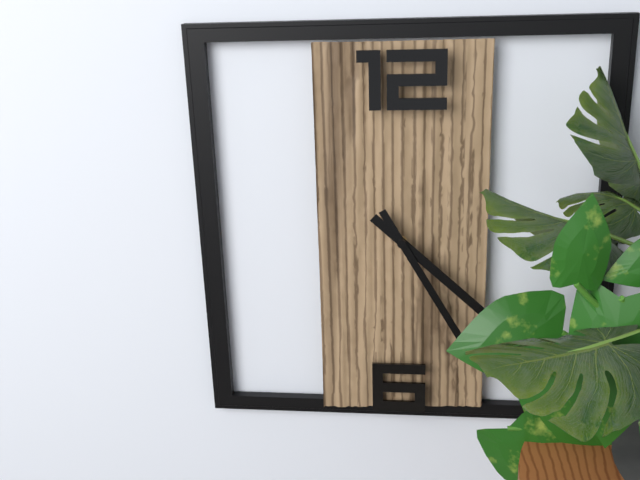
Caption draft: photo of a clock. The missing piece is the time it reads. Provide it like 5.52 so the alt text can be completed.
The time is 4.25
